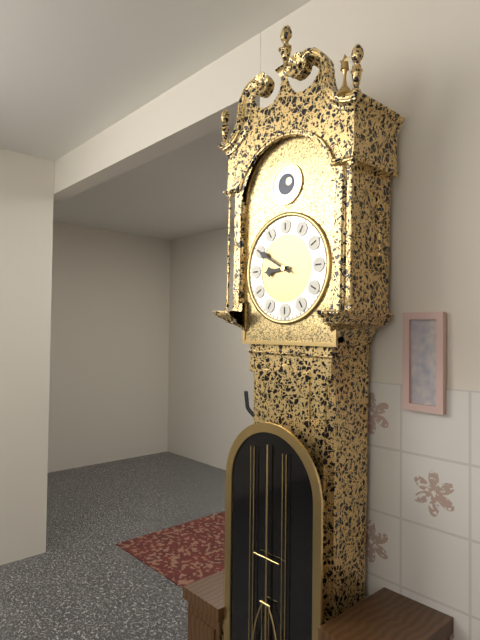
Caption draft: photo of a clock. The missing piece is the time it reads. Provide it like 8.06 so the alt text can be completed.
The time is 8.50
